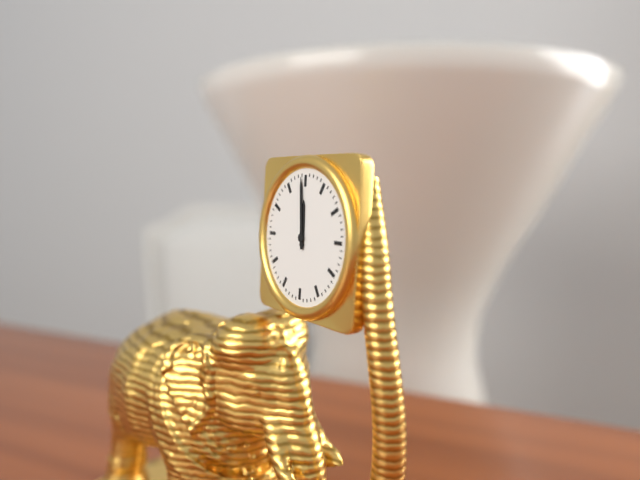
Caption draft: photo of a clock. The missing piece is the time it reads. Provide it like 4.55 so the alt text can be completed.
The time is 11.59
